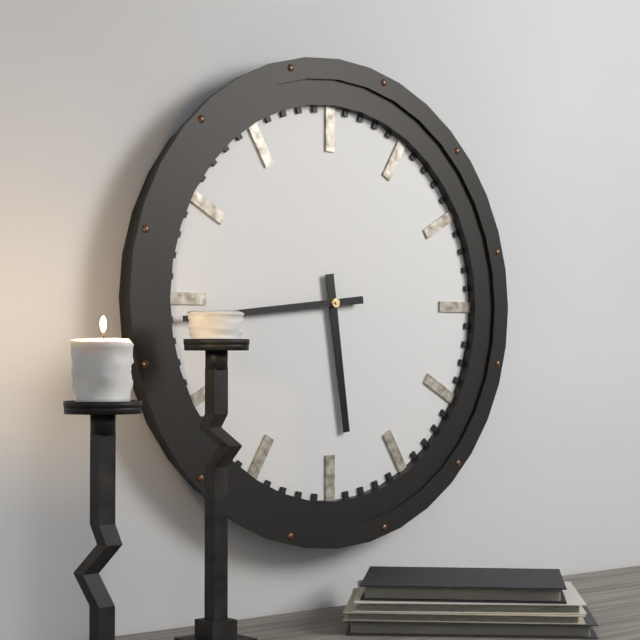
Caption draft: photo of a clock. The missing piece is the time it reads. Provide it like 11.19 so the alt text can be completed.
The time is 5.44
